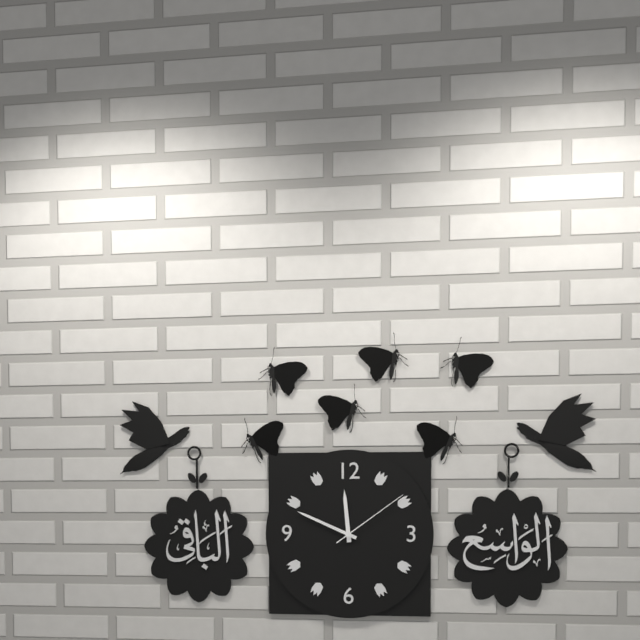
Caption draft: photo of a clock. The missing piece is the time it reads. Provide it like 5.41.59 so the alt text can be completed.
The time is 11.49.09
